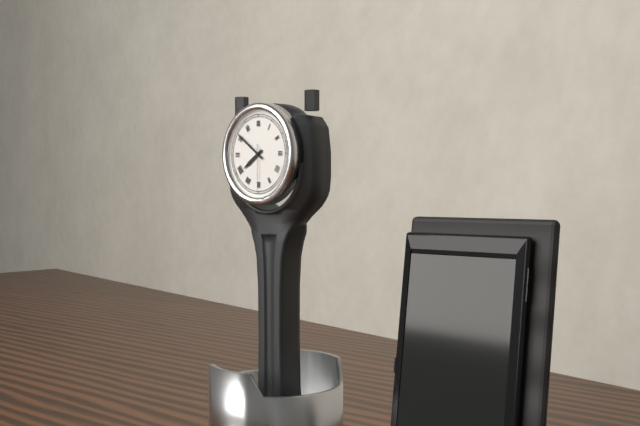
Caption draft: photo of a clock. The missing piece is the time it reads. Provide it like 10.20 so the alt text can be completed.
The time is 7.51
